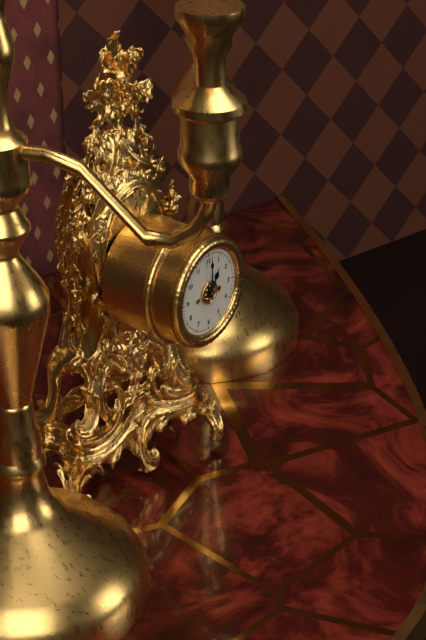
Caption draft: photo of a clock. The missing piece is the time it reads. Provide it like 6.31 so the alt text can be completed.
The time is 1.00
